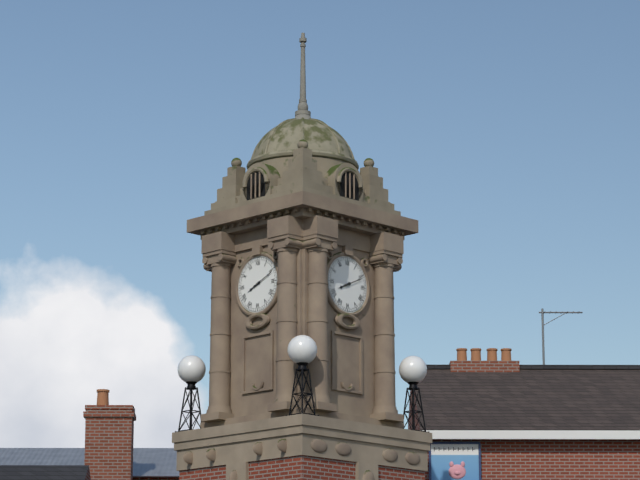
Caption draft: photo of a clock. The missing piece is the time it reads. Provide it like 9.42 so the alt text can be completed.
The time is 8.11
